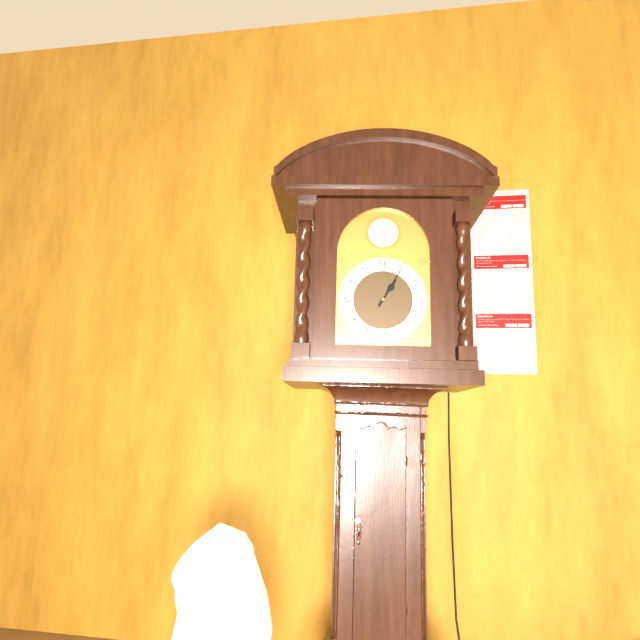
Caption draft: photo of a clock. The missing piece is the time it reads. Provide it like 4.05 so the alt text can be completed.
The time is 1.05
